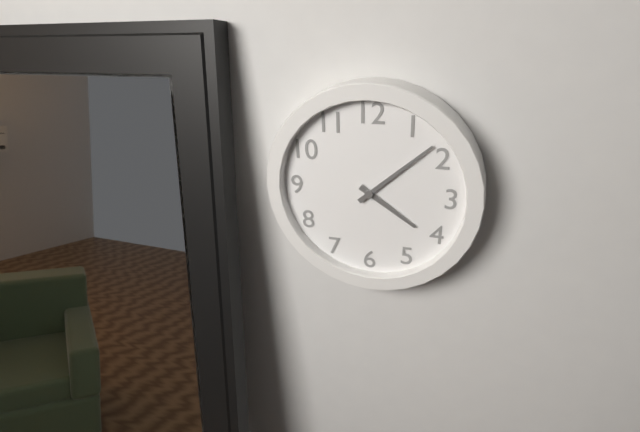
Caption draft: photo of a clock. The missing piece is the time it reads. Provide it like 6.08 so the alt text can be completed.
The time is 4.08
